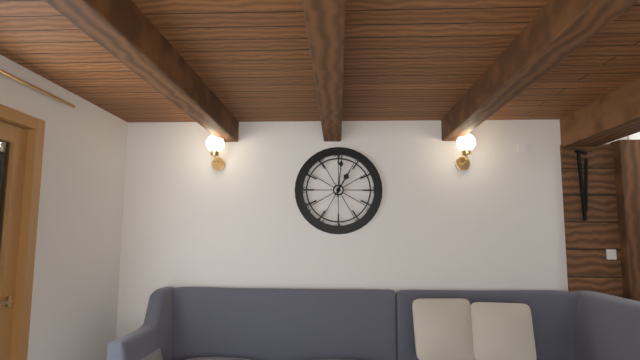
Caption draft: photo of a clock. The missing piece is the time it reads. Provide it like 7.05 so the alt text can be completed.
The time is 1.01
